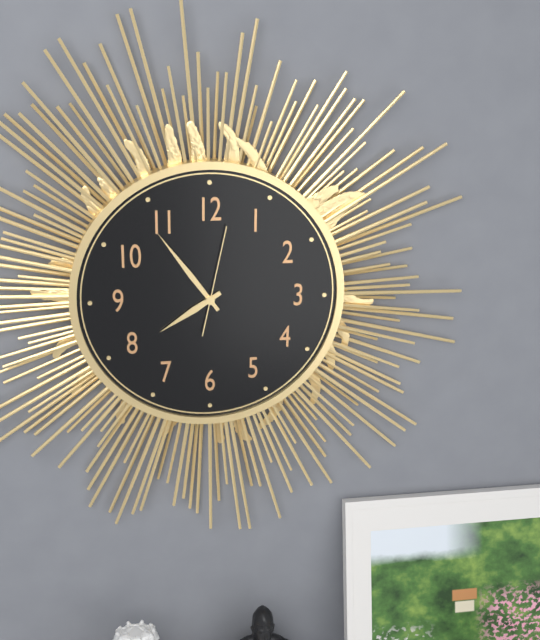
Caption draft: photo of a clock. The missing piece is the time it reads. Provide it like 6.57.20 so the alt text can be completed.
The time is 7.54.02
